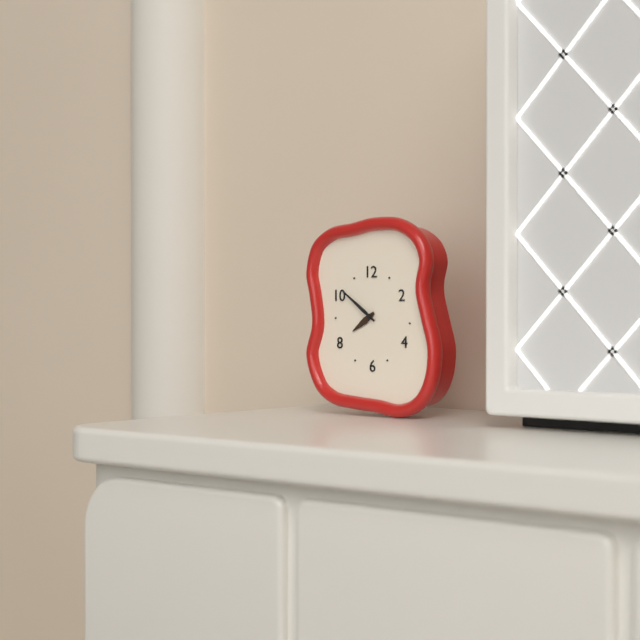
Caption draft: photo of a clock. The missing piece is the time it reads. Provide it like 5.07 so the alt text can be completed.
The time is 7.51
